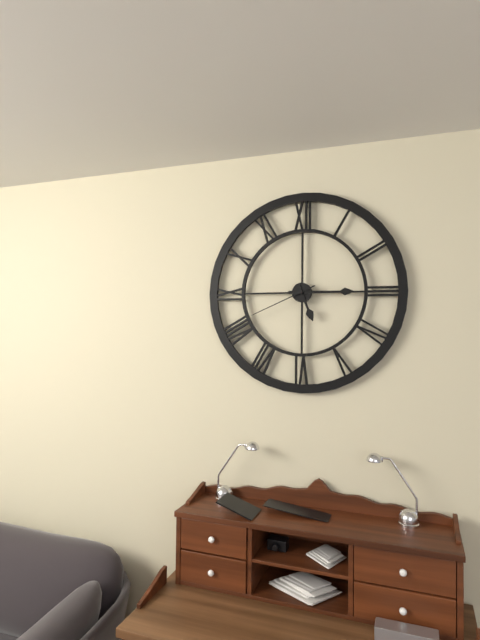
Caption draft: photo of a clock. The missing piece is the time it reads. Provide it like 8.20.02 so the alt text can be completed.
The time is 5.15.41
